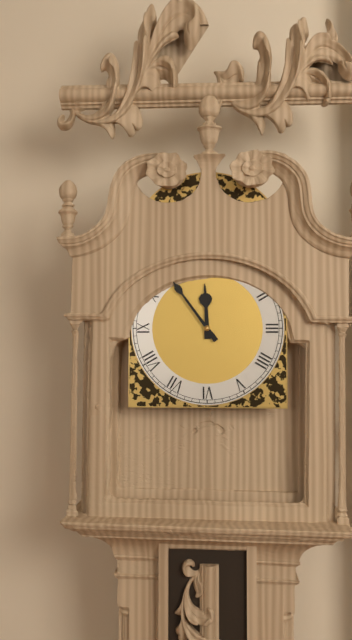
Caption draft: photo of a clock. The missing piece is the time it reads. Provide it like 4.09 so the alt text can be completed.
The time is 11.54
